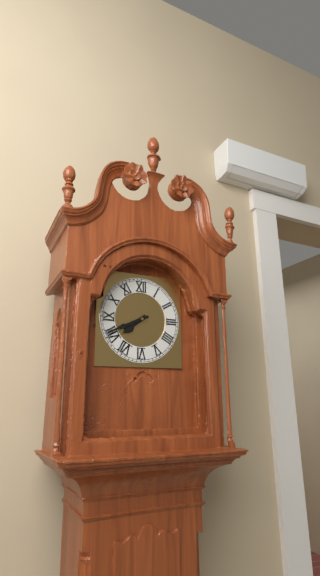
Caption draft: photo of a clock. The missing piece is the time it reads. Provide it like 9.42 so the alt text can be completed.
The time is 7.41
